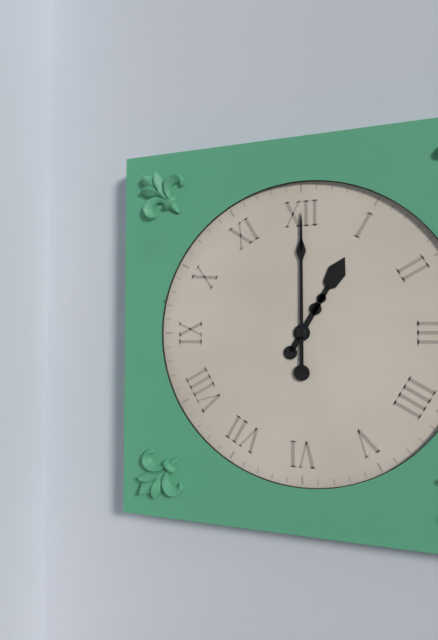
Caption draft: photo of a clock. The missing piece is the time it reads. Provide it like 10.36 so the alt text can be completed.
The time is 1.00
